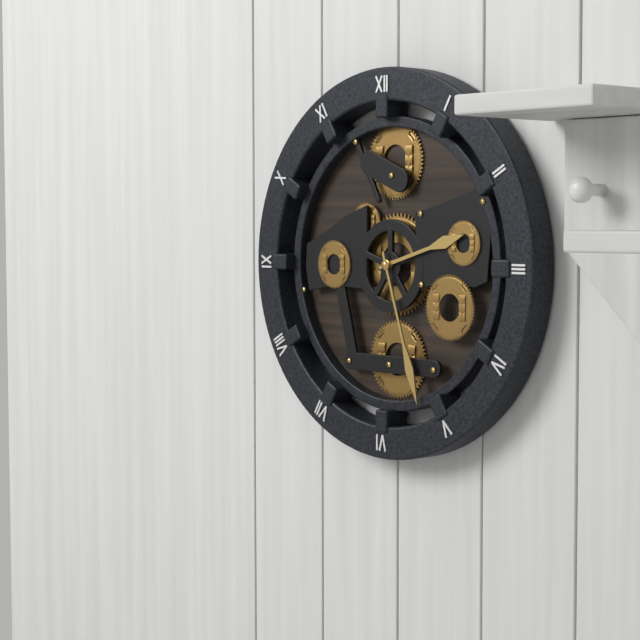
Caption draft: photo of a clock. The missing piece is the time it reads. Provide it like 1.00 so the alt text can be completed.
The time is 2.27
